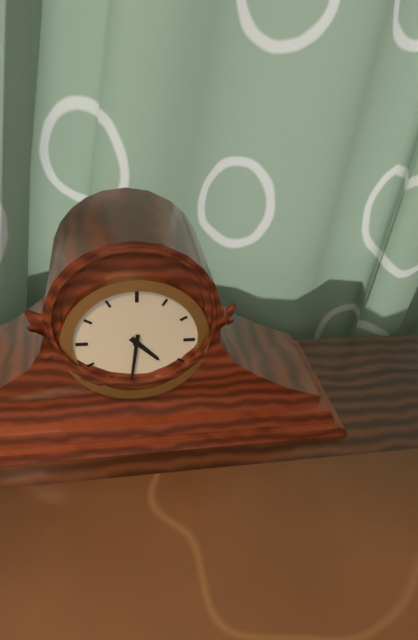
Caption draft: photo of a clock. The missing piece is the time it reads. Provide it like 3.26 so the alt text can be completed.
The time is 4.31
